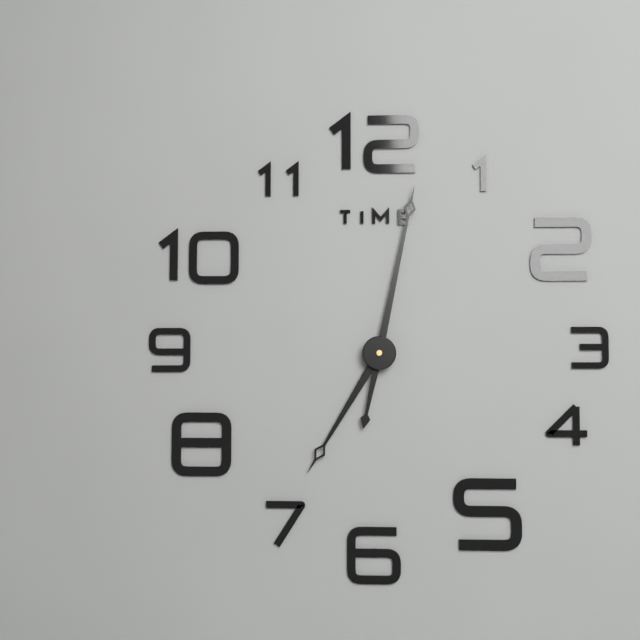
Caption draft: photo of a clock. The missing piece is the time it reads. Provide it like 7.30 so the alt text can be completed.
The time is 7.02
